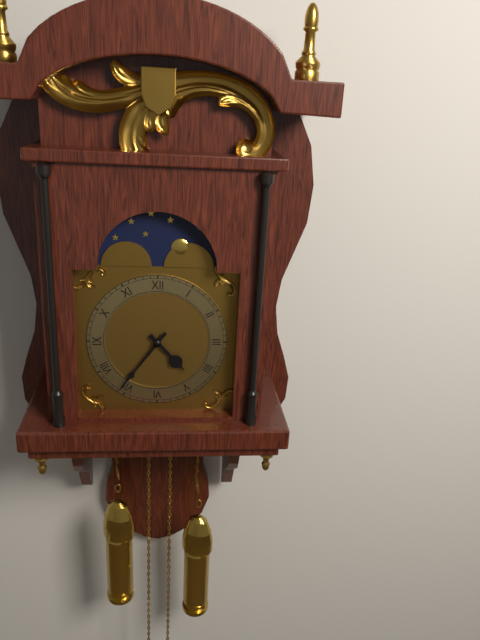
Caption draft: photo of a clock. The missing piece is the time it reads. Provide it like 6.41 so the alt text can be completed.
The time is 4.36
